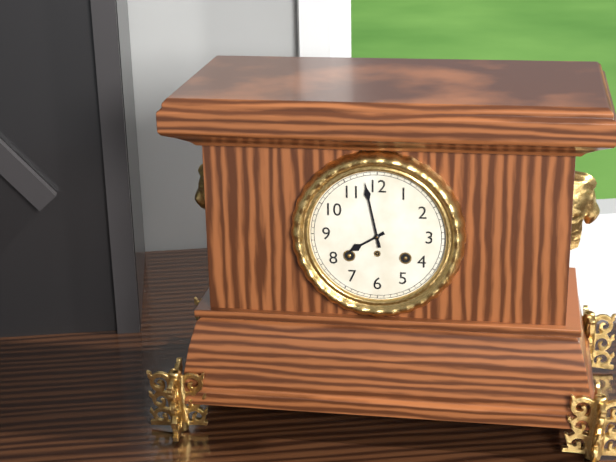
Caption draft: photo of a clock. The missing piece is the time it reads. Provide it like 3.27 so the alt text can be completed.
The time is 7.58
